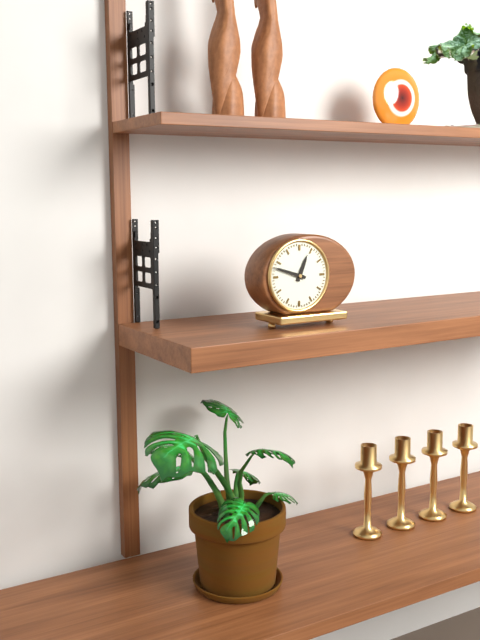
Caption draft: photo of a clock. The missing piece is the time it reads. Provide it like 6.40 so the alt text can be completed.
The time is 12.48
